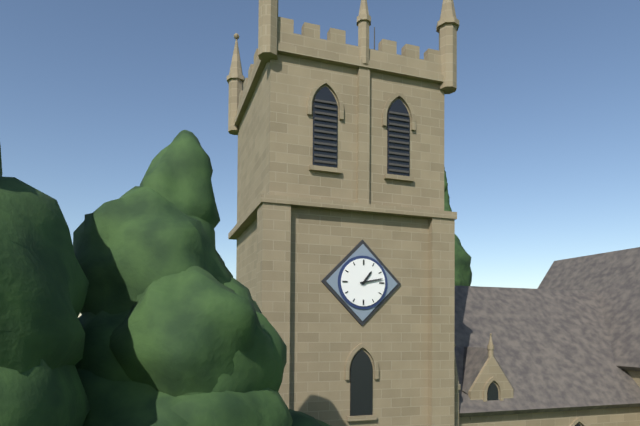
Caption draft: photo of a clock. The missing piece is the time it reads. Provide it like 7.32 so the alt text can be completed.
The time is 1.13
